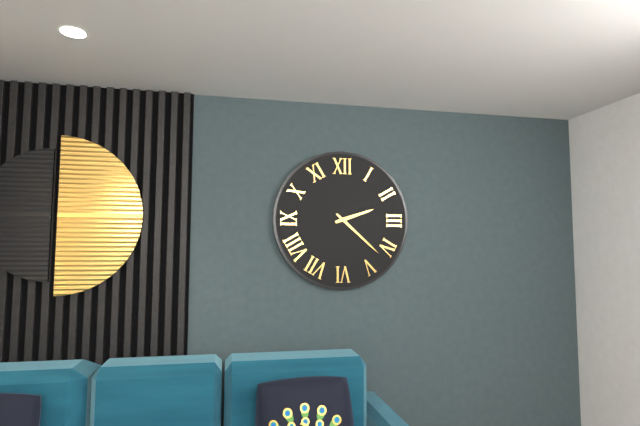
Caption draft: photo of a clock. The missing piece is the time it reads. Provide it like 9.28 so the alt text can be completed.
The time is 2.22
